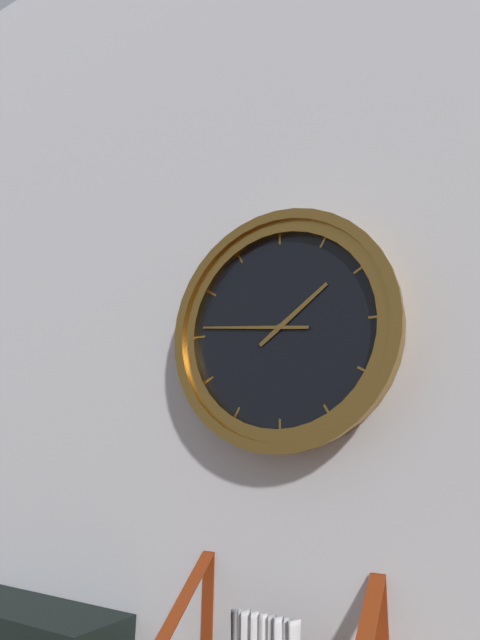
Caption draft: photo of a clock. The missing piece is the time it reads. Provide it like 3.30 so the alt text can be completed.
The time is 1.46
